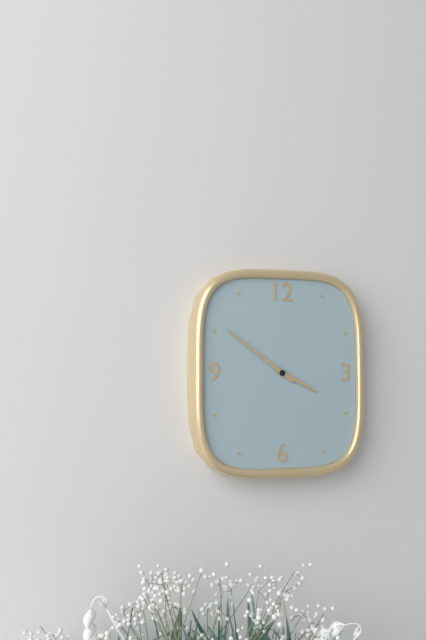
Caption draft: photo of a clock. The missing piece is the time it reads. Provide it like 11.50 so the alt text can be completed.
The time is 3.51
